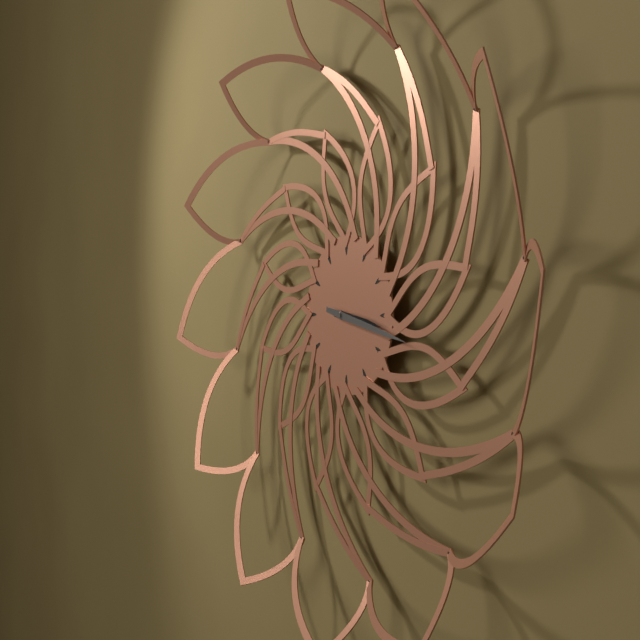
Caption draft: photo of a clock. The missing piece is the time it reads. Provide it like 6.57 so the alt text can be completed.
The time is 3.17
